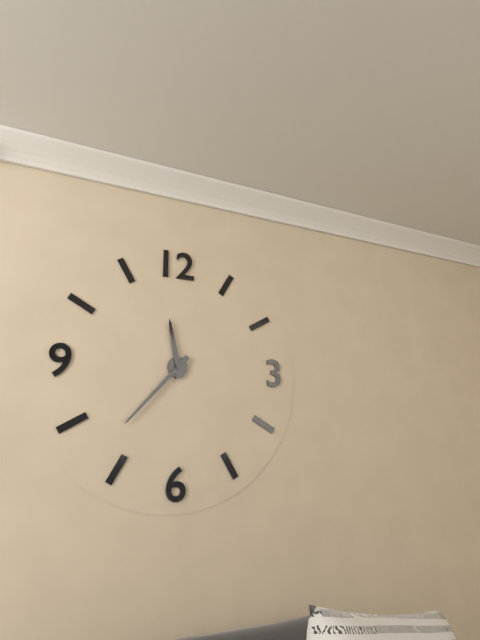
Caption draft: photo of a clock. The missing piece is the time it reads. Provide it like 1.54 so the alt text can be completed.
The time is 11.37
